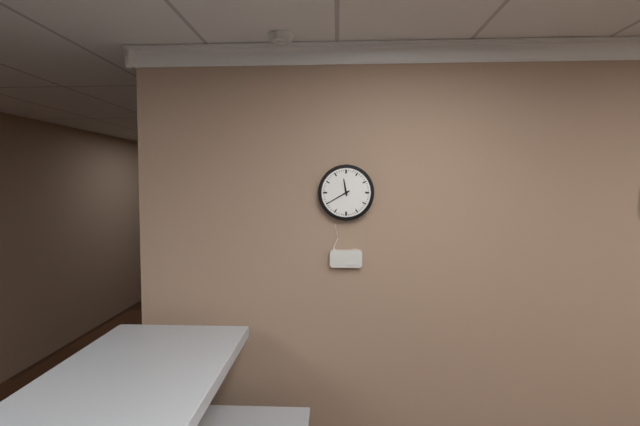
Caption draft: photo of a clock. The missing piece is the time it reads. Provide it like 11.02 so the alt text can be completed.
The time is 11.40
